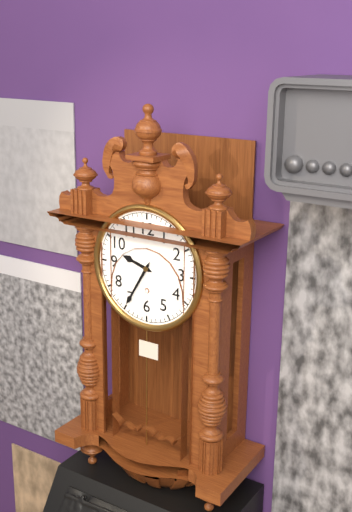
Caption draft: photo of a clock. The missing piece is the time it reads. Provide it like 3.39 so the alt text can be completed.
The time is 9.35
